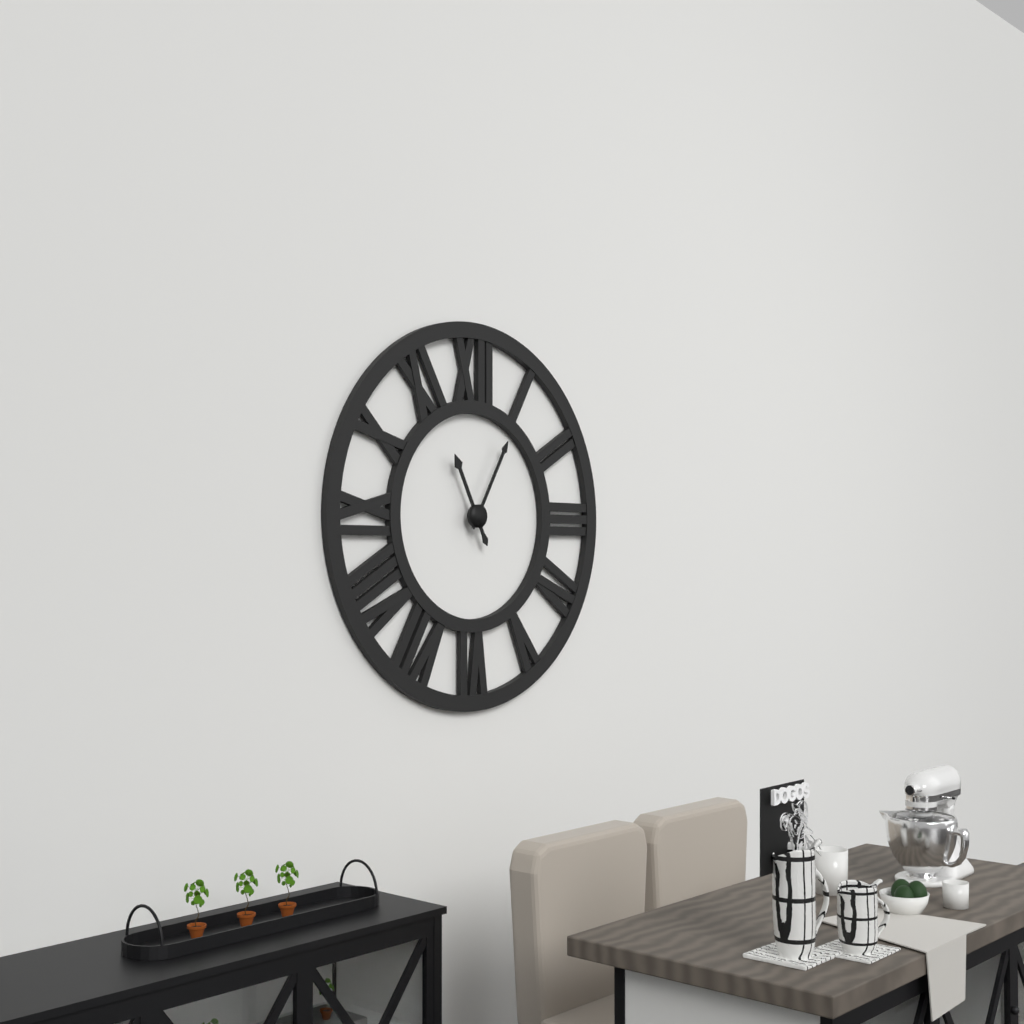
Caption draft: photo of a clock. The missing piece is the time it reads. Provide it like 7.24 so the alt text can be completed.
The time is 11.05
